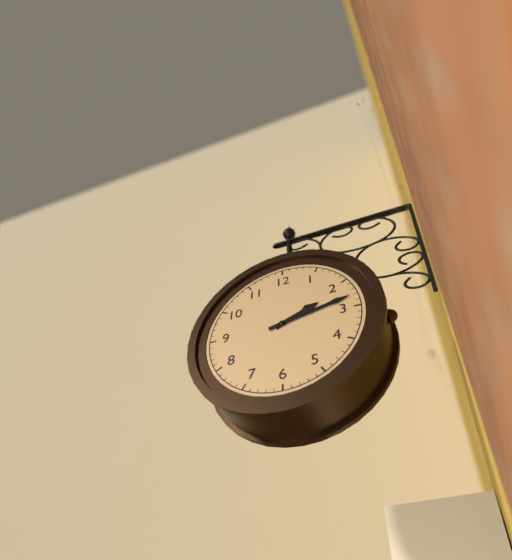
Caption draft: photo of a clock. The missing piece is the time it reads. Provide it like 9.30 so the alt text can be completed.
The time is 2.13
